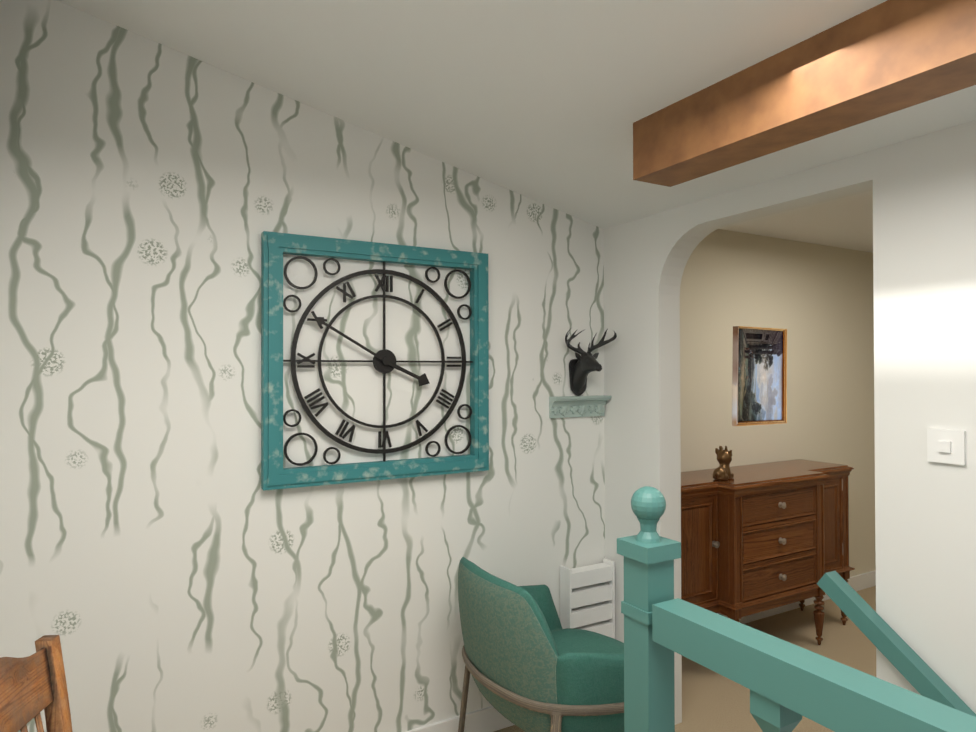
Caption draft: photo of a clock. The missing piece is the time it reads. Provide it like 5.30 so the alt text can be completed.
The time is 3.50
